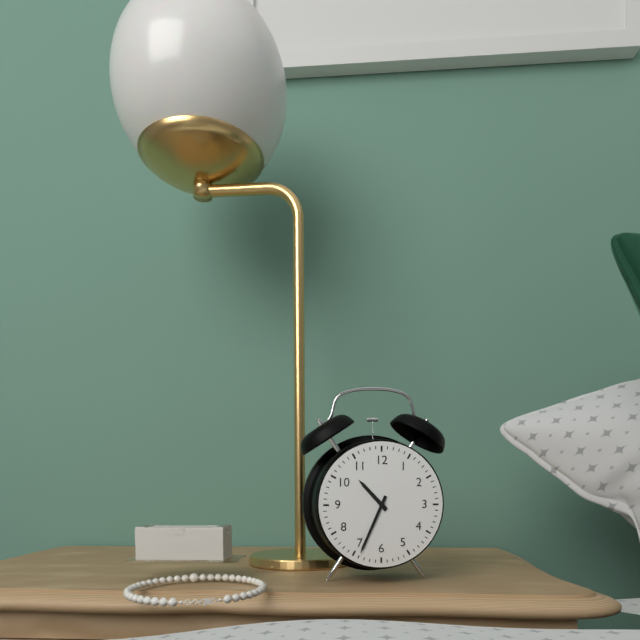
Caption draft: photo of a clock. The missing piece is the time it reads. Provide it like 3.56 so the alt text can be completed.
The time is 10.34
